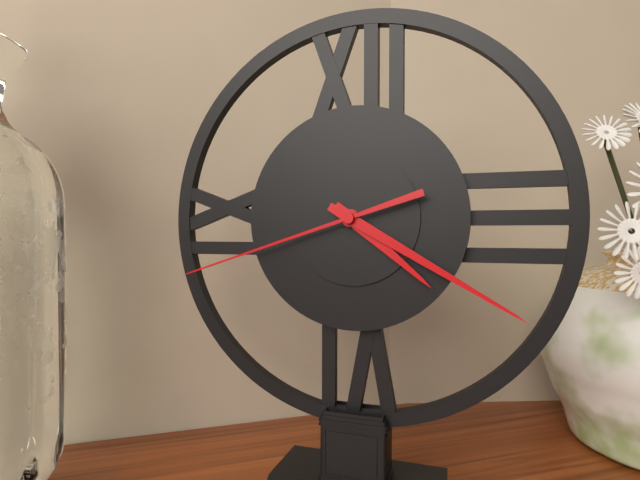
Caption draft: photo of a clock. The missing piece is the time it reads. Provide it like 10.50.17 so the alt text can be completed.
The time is 4.20.42
